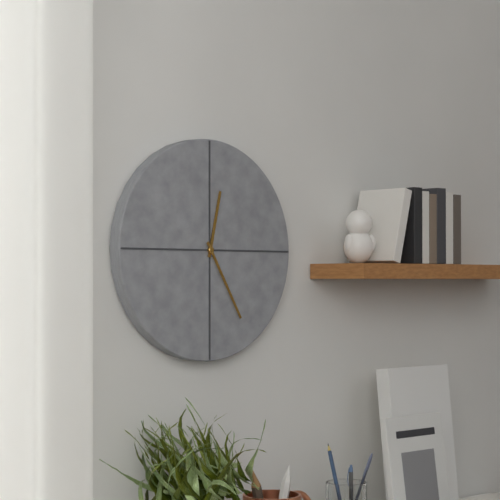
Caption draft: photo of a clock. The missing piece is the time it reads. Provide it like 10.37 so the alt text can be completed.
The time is 12.25
